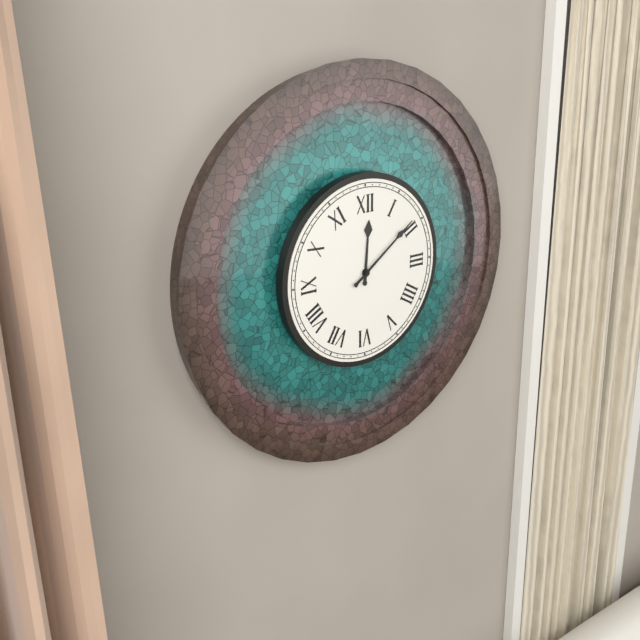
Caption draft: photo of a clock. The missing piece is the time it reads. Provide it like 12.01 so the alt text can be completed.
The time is 12.09
